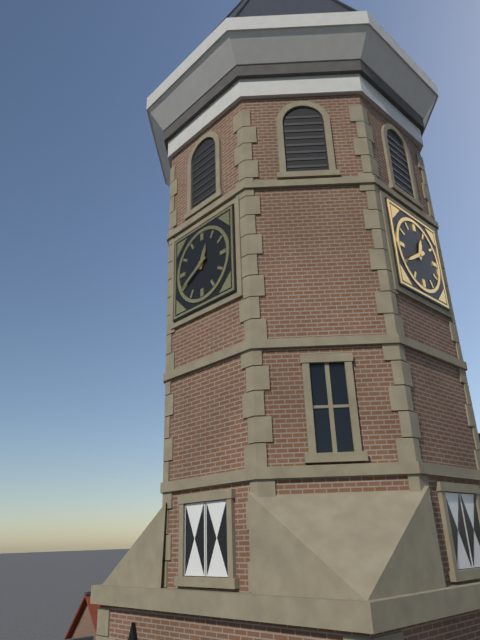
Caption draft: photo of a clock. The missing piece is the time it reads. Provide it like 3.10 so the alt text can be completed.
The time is 12.40
